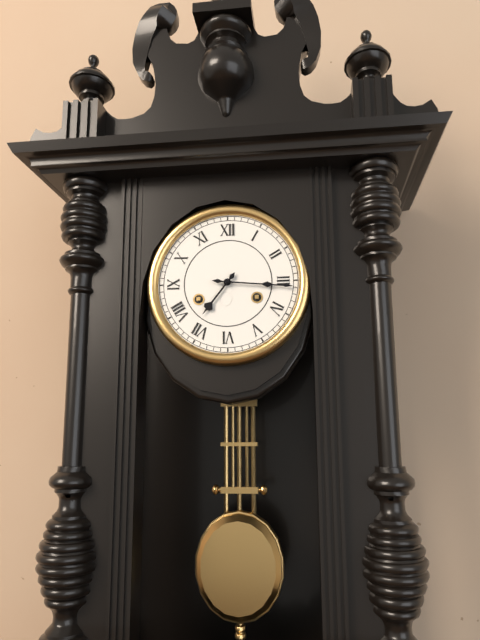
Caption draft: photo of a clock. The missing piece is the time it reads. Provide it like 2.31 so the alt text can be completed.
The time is 7.16
